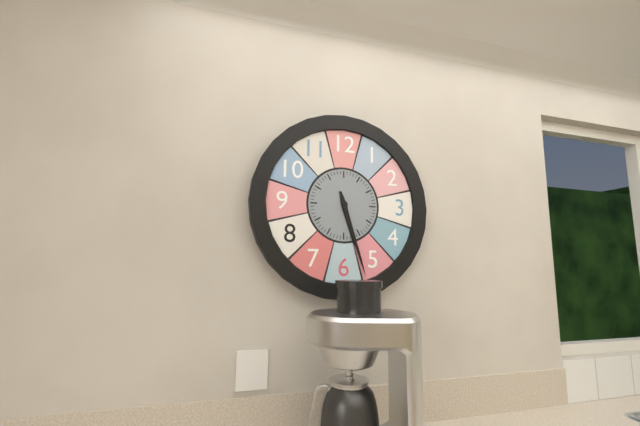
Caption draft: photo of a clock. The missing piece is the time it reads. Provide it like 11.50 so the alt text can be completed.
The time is 5.27
